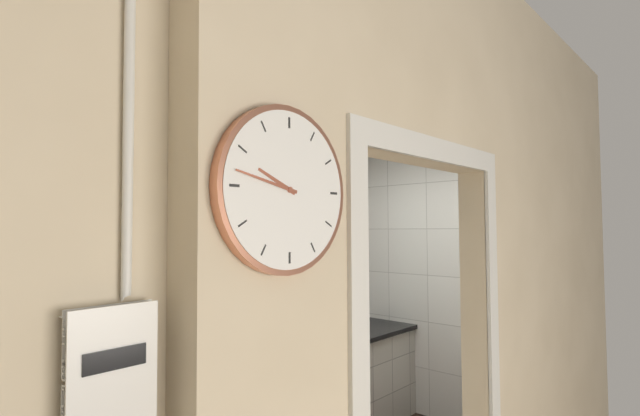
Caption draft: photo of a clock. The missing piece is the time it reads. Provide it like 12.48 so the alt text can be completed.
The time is 9.47
